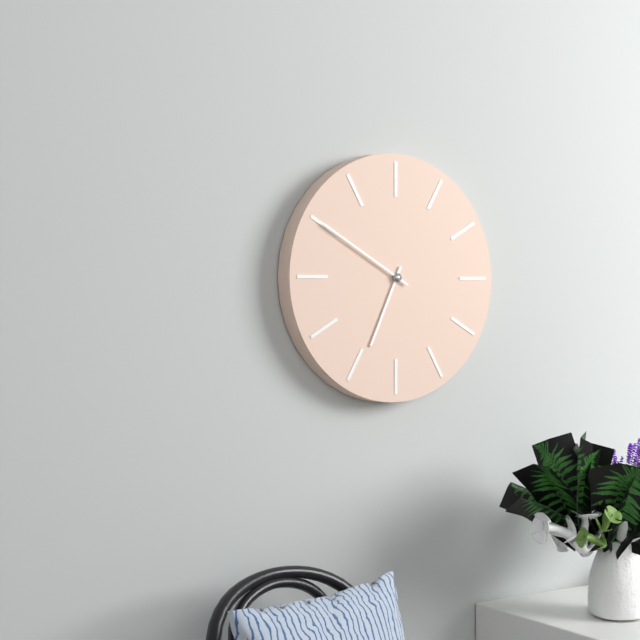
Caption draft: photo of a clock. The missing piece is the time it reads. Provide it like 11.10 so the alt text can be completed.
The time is 6.50
